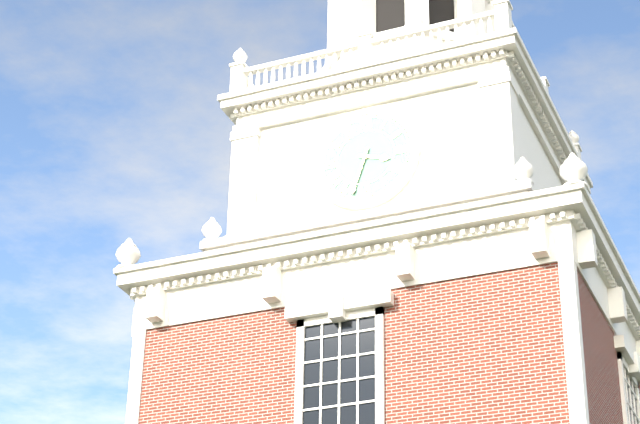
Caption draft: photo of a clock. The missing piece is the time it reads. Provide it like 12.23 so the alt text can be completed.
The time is 3.33
